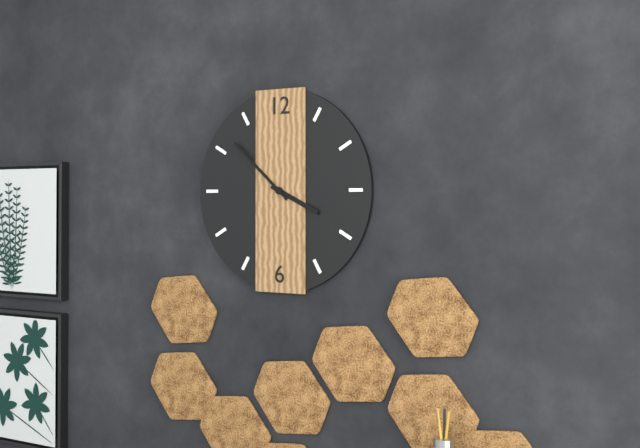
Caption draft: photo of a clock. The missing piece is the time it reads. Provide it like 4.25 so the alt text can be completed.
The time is 3.52
